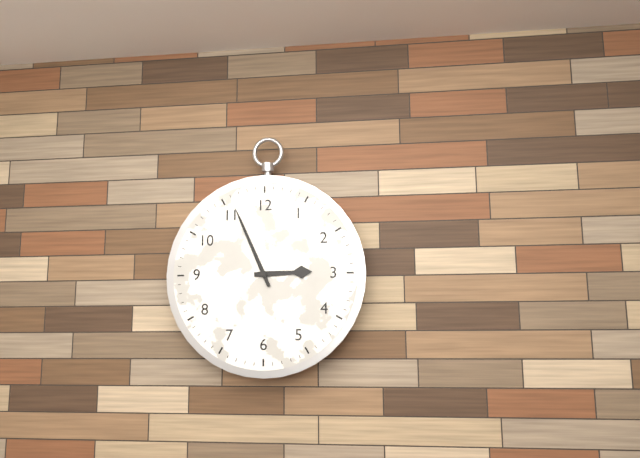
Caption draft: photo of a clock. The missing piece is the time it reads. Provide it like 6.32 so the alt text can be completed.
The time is 2.56
